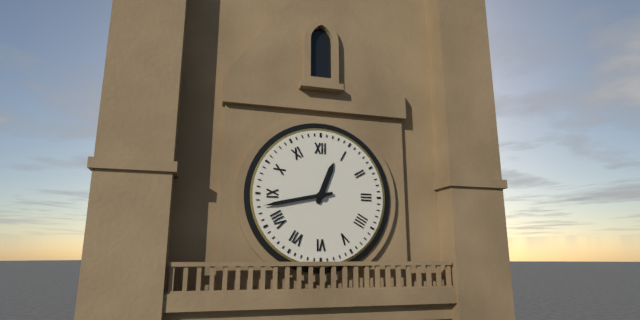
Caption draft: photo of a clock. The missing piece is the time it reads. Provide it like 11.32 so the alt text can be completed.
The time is 12.43
